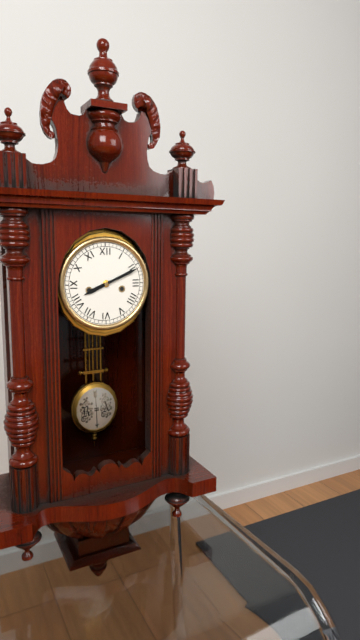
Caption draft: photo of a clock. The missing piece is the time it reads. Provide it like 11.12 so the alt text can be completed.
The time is 8.11
